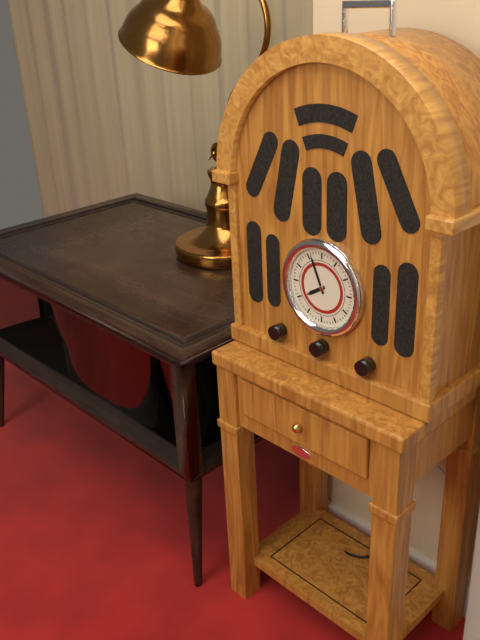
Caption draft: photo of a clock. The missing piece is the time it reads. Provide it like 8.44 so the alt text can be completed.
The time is 7.56
